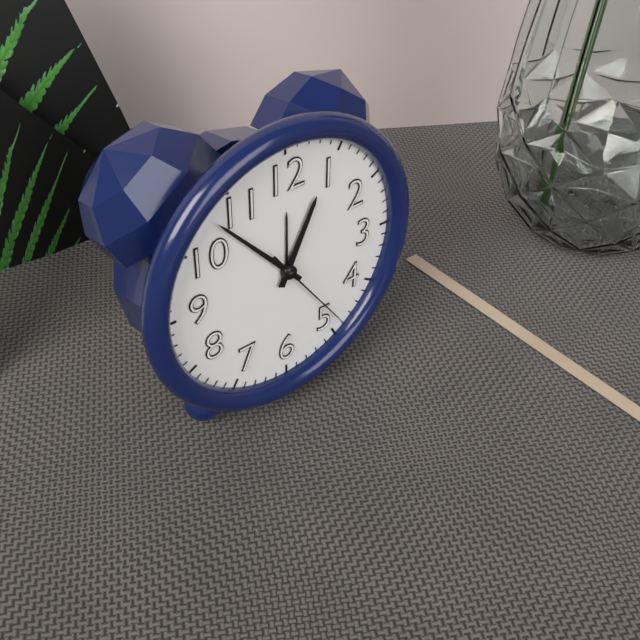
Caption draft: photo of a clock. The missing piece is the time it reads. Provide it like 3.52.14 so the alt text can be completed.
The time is 12.53.24
